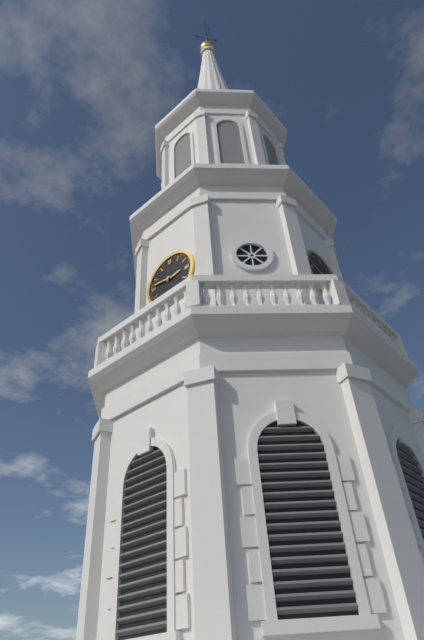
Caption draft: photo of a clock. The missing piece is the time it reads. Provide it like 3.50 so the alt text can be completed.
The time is 2.47
